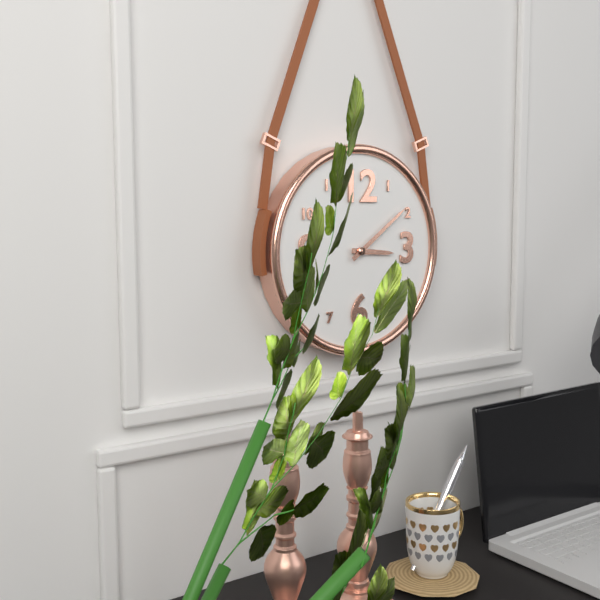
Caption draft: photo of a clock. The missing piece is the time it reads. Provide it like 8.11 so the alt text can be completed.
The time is 3.09
